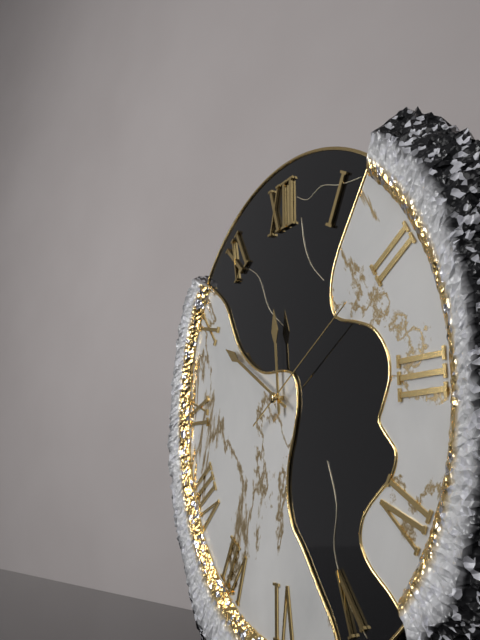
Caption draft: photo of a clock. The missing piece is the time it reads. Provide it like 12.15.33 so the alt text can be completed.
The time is 11.50.10
